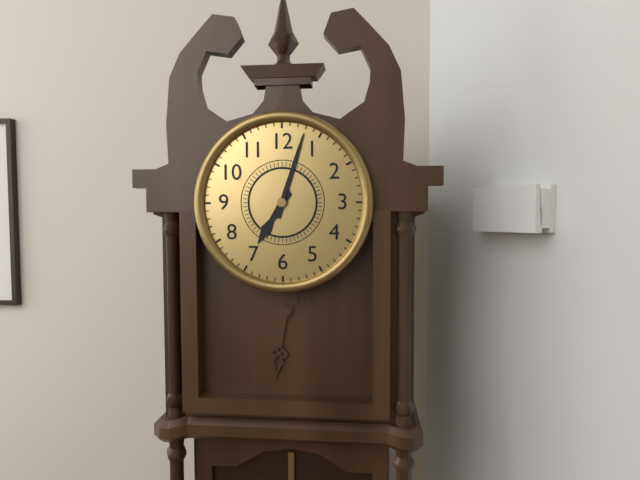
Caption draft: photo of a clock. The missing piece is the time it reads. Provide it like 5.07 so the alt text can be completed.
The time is 7.03
